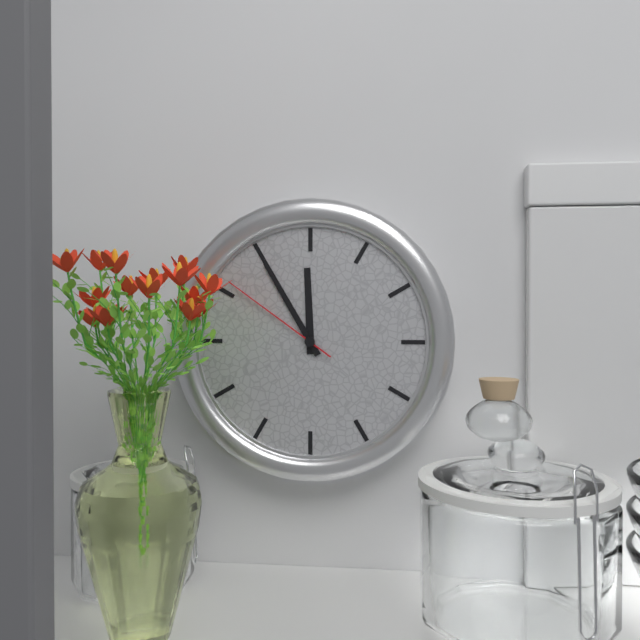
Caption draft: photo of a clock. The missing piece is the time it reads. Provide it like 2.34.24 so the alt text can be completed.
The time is 11.55.51
